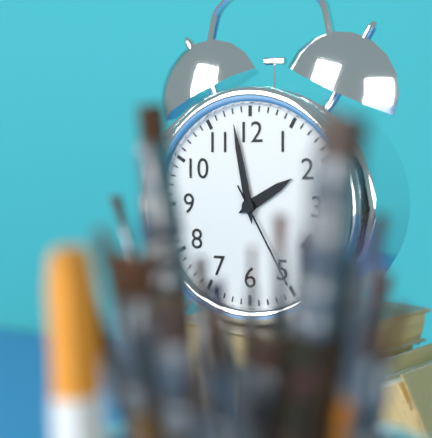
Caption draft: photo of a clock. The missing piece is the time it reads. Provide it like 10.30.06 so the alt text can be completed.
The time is 1.58.25
